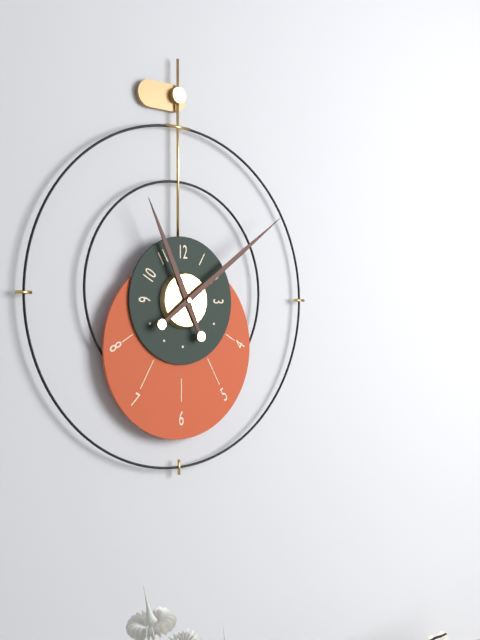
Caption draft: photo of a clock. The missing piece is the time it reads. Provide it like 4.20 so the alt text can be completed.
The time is 11.09
